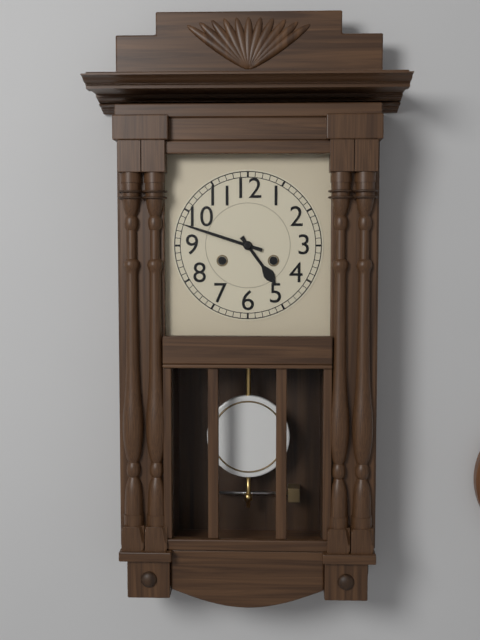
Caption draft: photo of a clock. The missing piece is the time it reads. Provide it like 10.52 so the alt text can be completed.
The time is 4.48
